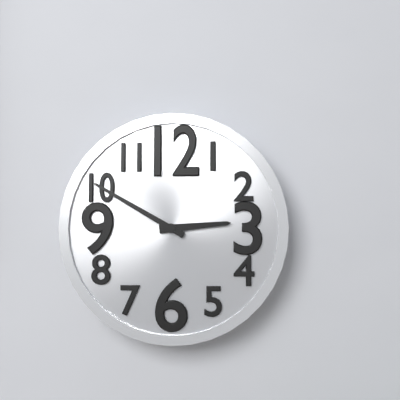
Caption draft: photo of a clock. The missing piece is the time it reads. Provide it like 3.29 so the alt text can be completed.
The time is 2.50
